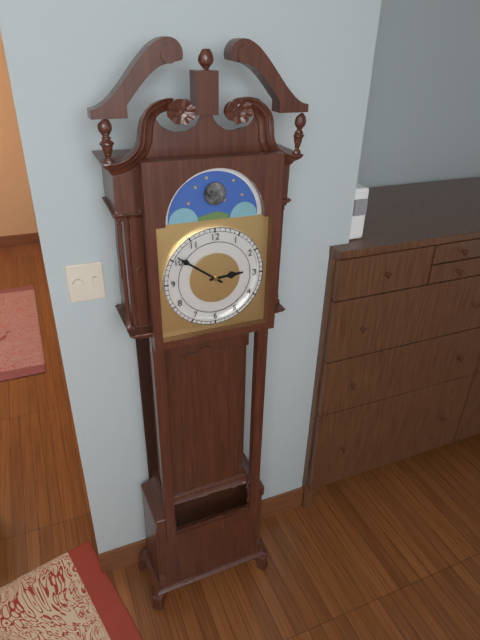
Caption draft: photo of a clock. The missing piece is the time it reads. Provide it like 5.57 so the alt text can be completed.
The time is 2.51
